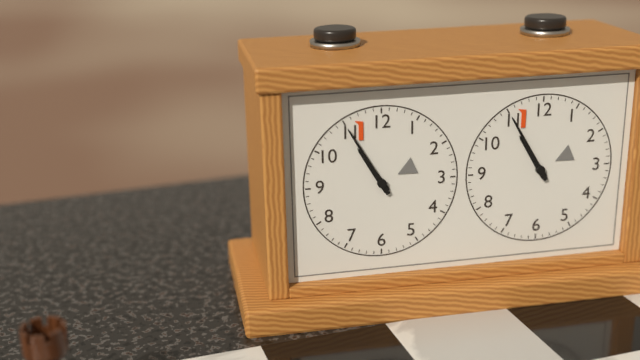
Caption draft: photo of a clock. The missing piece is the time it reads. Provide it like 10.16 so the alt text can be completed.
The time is 10.55
